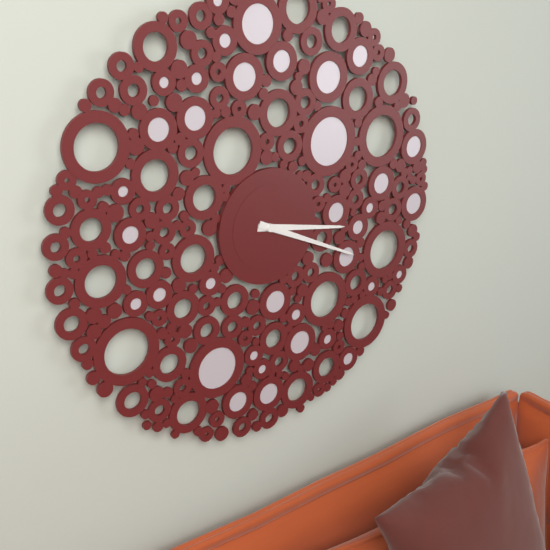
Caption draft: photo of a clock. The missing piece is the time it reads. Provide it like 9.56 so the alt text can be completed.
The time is 3.19
